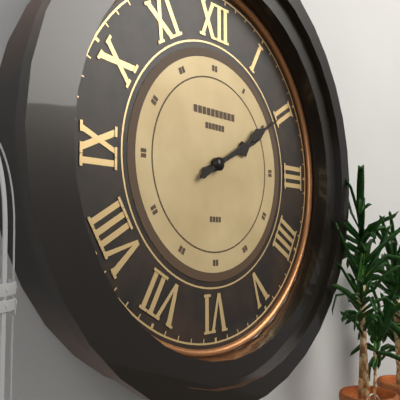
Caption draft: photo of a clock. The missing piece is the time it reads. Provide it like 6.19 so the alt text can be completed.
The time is 2.10
